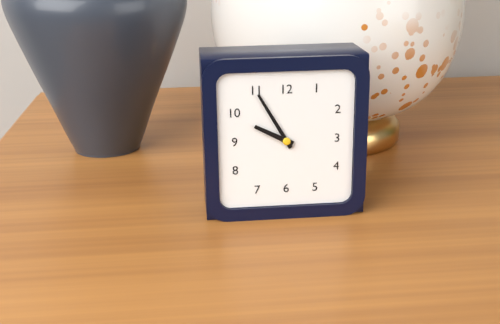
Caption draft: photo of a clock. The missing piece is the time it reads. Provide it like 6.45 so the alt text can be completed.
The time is 9.55
